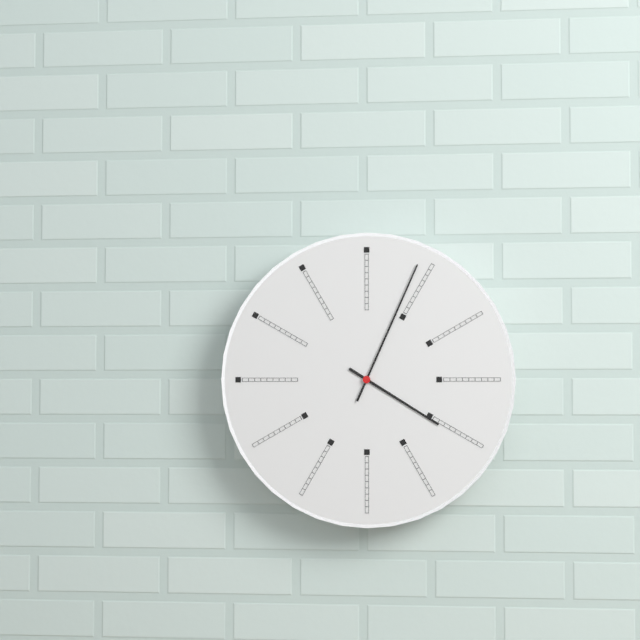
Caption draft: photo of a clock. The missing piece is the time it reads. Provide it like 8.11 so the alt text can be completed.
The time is 4.04
